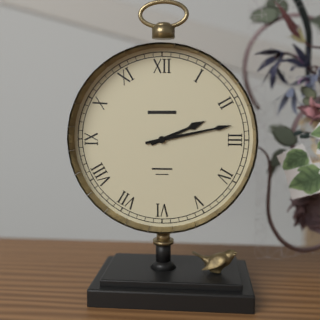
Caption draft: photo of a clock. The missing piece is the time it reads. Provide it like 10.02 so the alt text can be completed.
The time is 2.13
